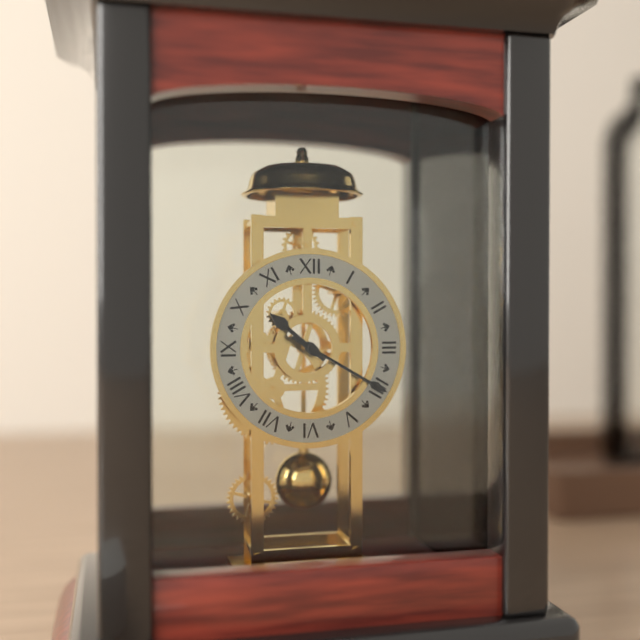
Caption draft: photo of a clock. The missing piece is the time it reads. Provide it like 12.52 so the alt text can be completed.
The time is 10.20
